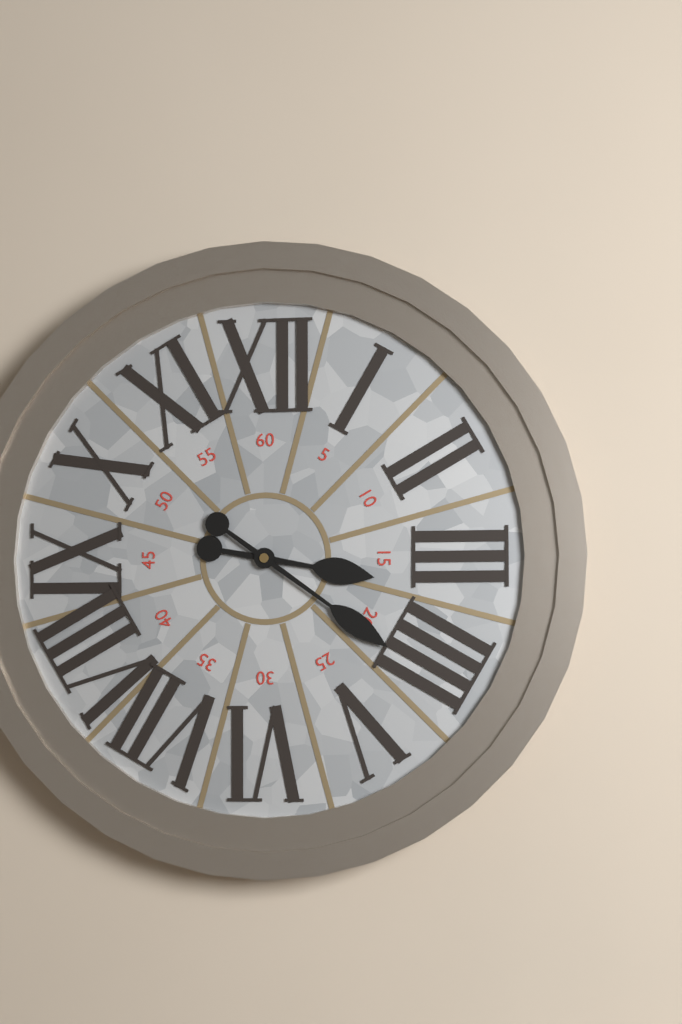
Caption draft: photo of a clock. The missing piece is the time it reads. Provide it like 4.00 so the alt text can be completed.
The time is 3.21
